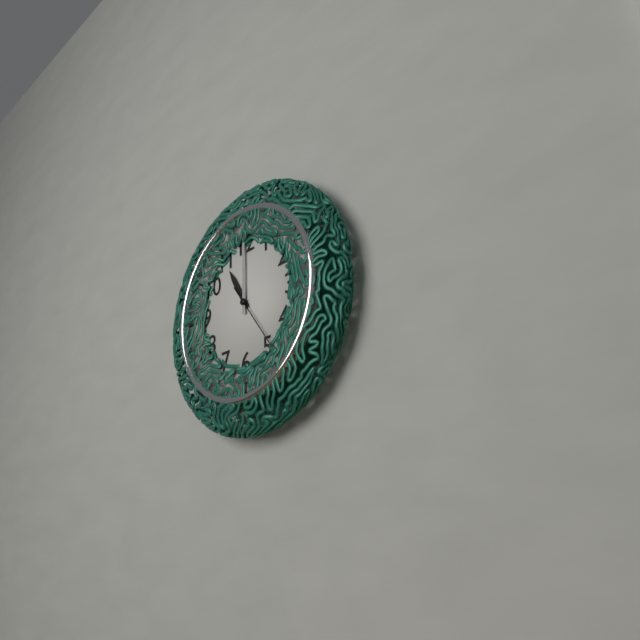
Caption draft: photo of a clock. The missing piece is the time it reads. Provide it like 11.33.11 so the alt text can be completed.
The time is 11.00.24
